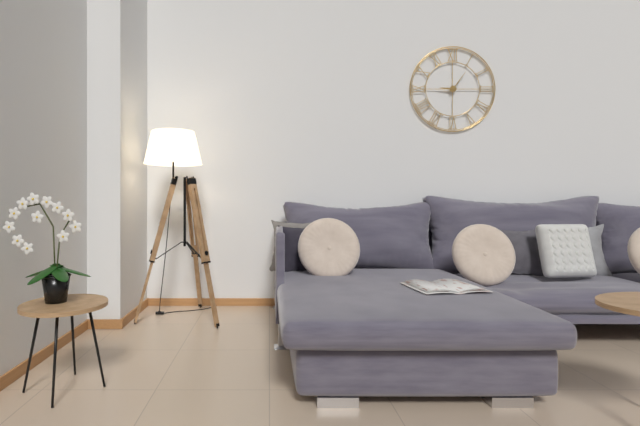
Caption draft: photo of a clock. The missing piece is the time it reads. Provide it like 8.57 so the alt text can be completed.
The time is 9.06
